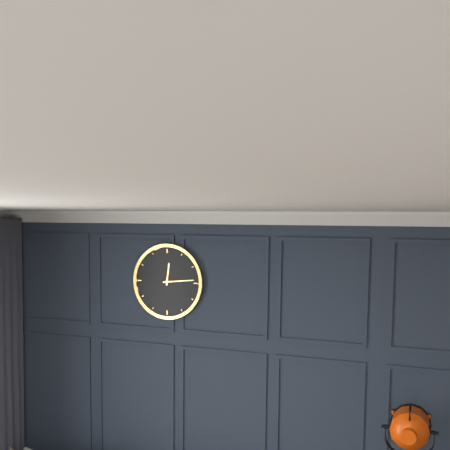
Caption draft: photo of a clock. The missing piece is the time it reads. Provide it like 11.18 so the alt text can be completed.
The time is 12.14
